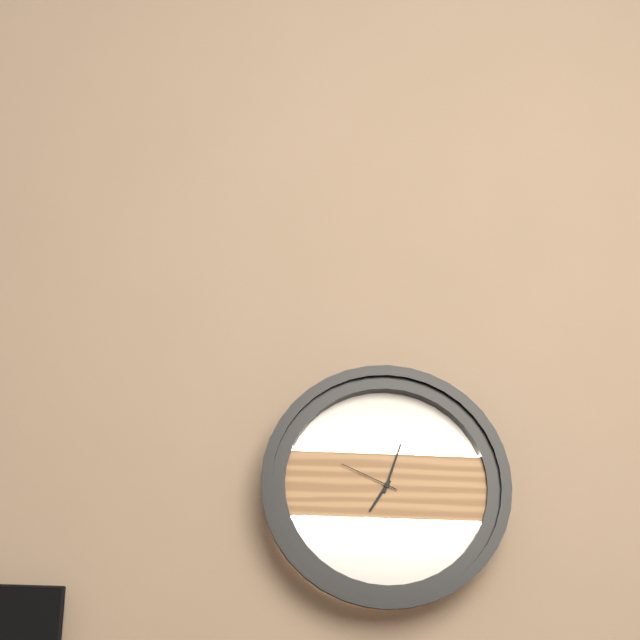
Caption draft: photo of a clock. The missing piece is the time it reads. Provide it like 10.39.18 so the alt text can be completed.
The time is 7.03.49
